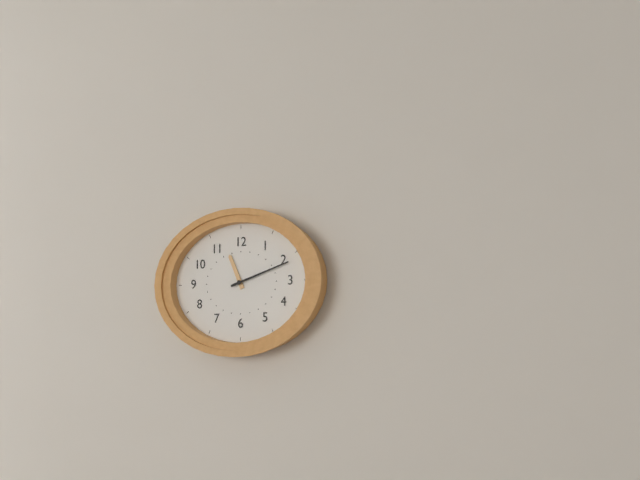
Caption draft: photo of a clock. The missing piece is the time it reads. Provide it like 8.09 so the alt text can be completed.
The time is 11.12
